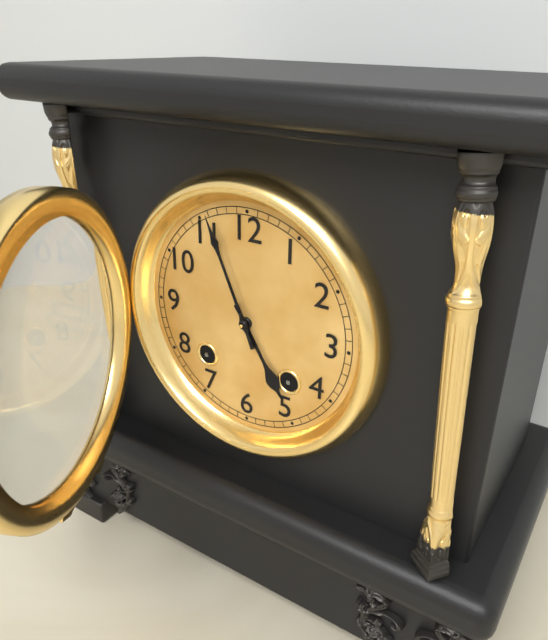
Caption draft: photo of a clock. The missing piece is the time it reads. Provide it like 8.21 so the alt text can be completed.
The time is 4.56
